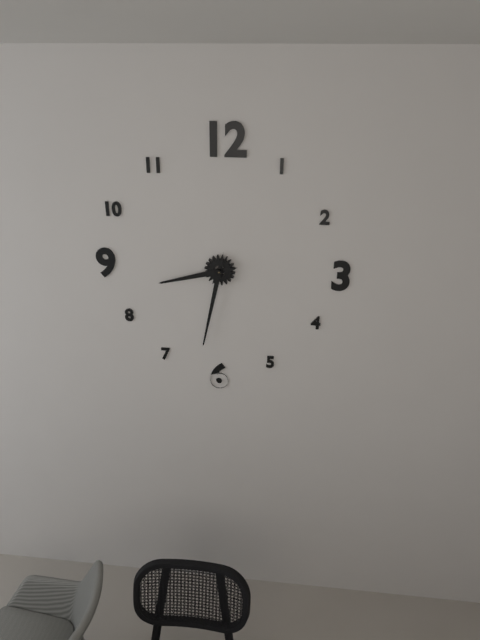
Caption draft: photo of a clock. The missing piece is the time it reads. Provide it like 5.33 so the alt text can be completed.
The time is 8.32
